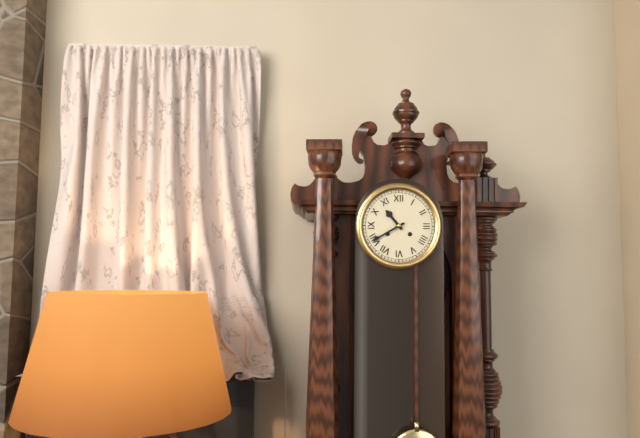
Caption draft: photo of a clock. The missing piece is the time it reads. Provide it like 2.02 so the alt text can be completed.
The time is 10.40
